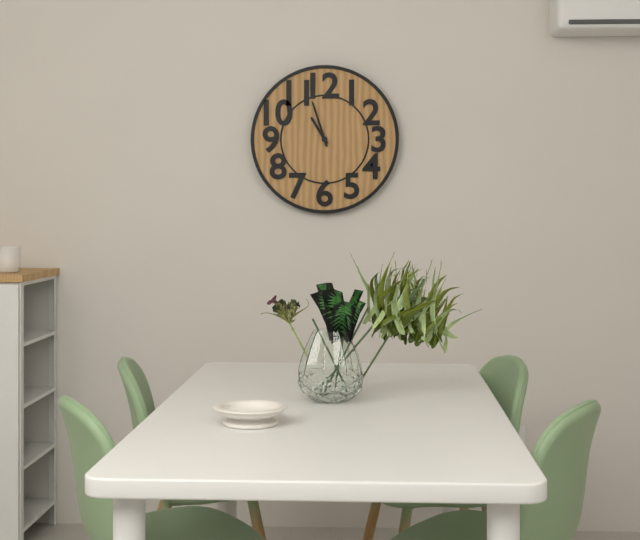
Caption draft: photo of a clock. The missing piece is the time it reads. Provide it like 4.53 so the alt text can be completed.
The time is 10.57
